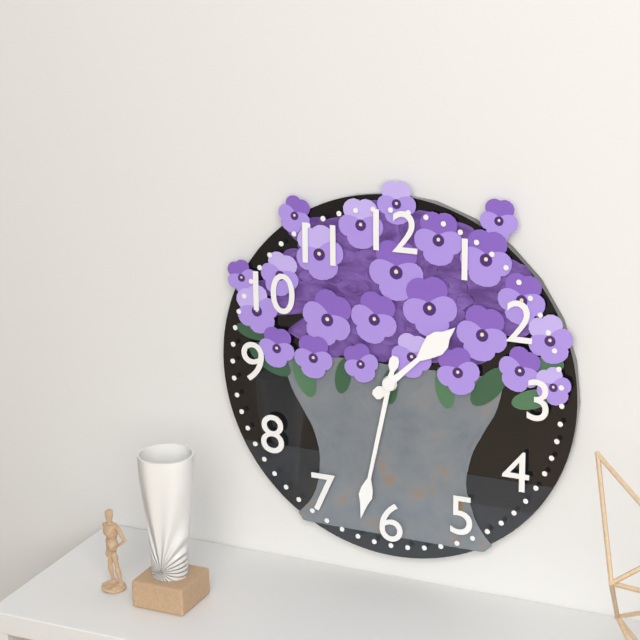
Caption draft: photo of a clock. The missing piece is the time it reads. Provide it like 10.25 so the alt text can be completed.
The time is 1.32
